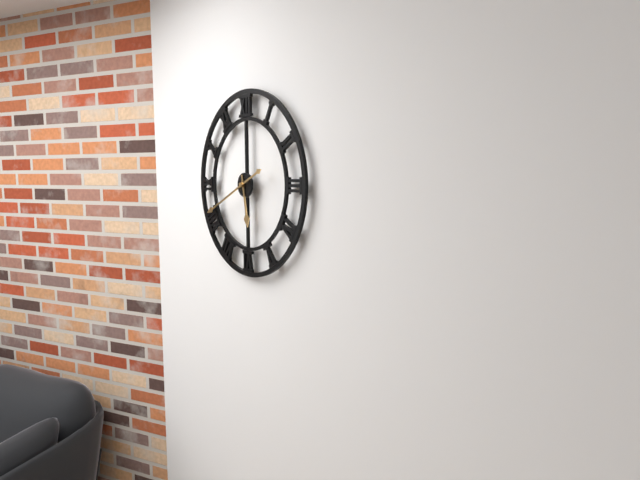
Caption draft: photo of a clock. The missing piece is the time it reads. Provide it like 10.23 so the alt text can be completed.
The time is 5.41
